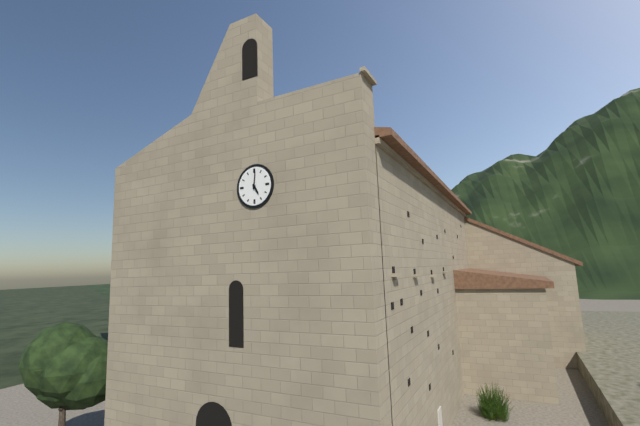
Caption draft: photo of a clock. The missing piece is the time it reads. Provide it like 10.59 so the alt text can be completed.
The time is 5.01
